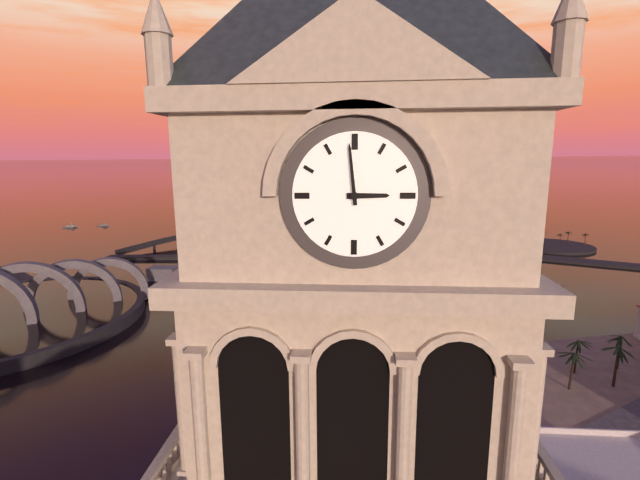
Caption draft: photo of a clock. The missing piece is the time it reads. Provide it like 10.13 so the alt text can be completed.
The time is 2.59
